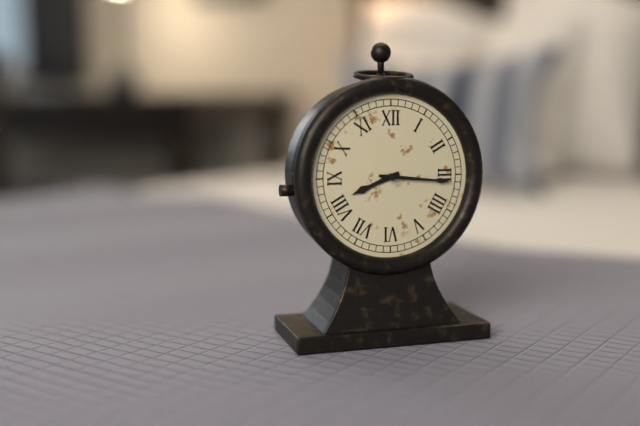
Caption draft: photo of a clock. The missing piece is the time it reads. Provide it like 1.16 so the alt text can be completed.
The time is 8.16
